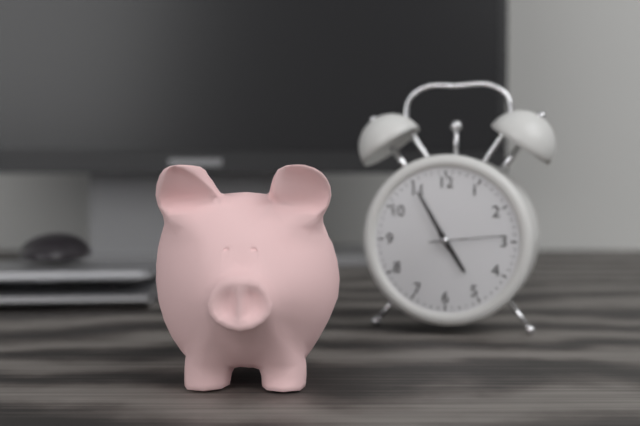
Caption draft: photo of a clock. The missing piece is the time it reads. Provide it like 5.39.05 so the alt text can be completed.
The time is 4.55.14
